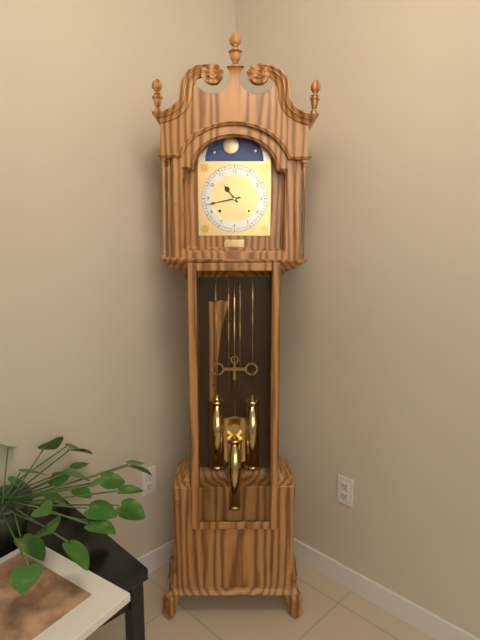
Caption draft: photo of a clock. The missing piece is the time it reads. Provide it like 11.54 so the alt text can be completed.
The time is 10.43
